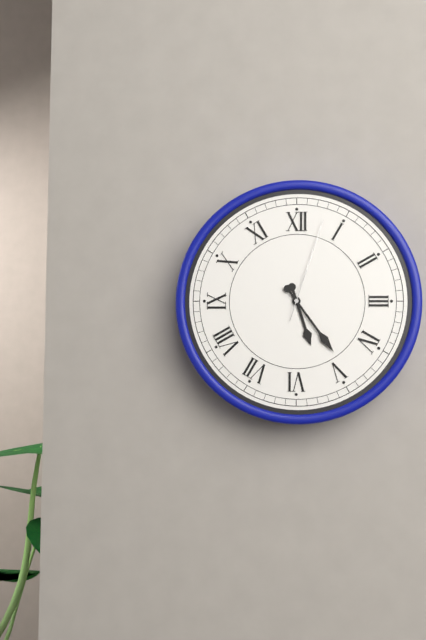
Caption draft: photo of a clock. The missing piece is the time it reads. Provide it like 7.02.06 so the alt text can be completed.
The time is 5.24.03
